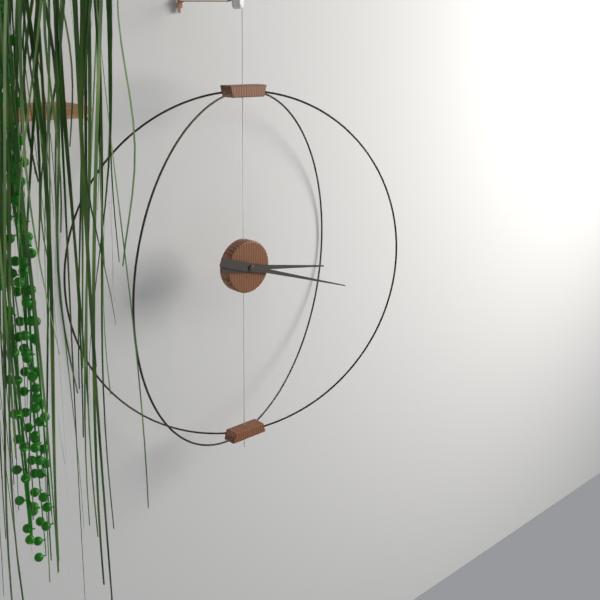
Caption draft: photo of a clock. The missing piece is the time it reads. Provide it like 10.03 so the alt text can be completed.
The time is 3.18
